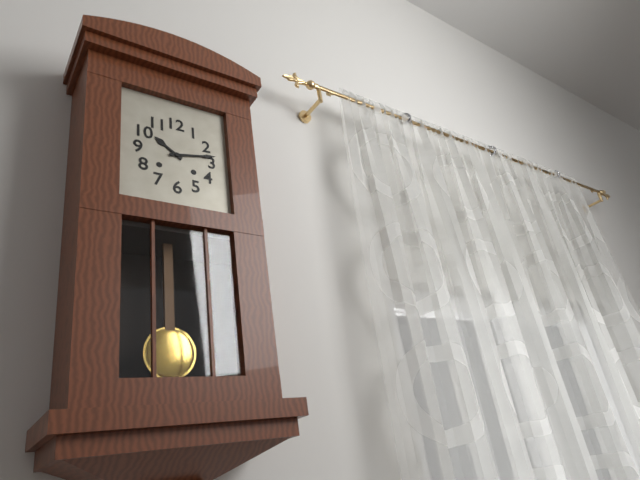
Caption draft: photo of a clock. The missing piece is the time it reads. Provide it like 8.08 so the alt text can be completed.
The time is 10.13
